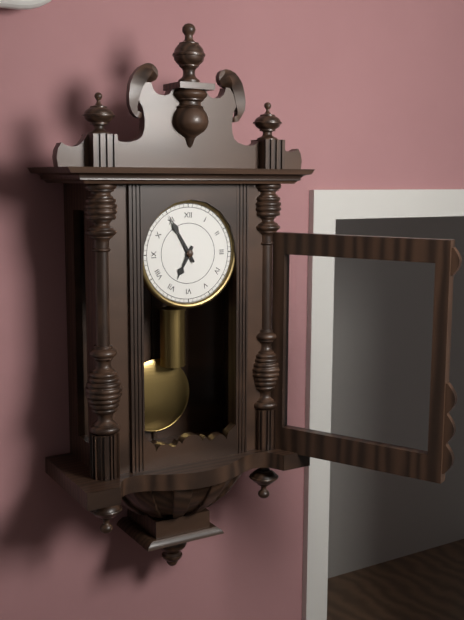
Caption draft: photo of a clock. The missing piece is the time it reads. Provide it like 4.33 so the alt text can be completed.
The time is 6.55
